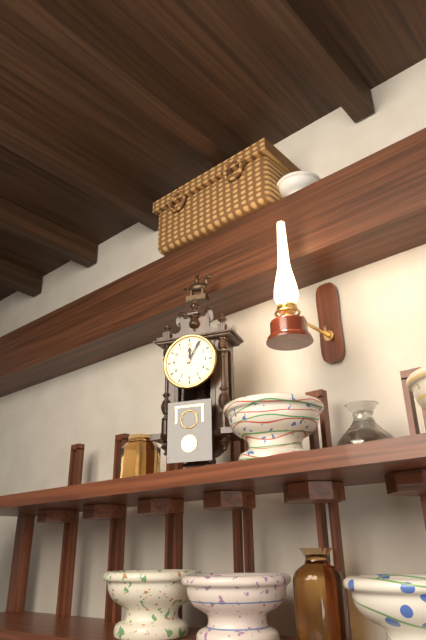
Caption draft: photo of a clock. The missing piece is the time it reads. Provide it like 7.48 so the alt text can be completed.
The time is 12.05
